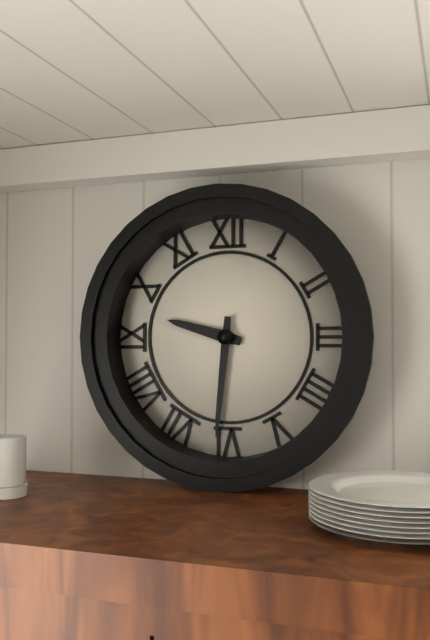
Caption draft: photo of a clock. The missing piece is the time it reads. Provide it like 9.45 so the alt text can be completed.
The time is 9.31
